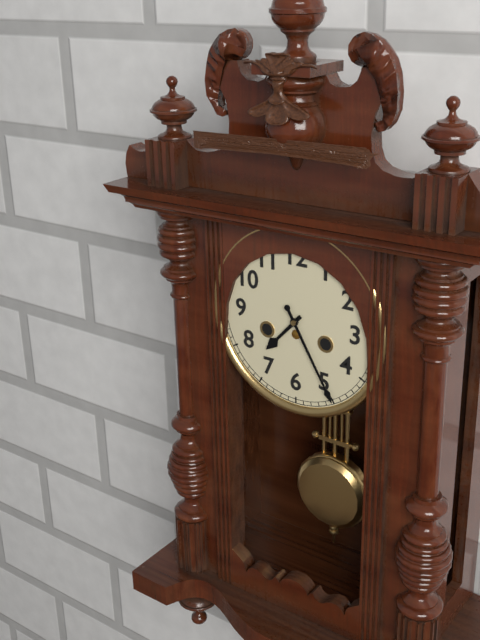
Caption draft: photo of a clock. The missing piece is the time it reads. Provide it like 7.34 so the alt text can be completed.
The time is 7.25
